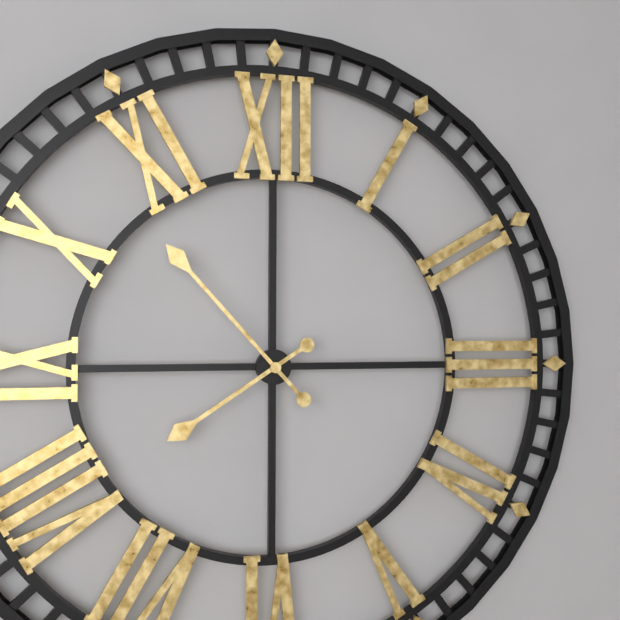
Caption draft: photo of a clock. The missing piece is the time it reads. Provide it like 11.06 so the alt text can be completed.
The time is 7.53
